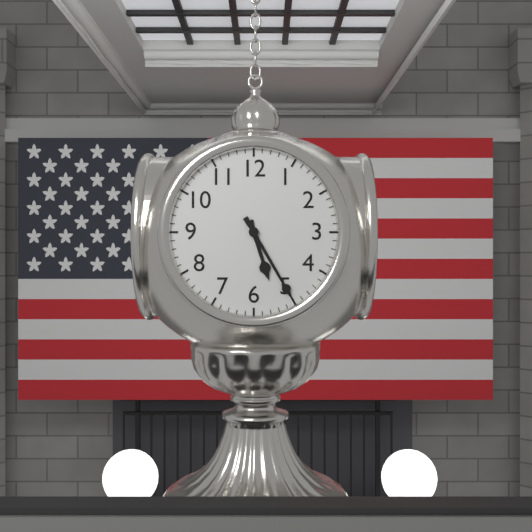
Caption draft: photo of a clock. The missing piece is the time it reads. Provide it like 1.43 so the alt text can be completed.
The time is 5.25
